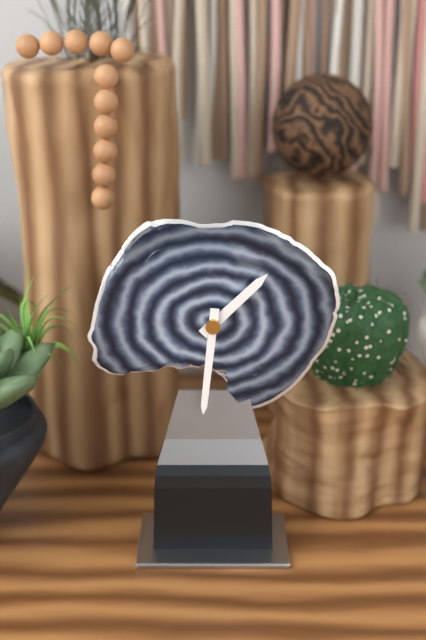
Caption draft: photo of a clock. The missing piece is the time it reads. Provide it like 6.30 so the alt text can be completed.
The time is 1.31
